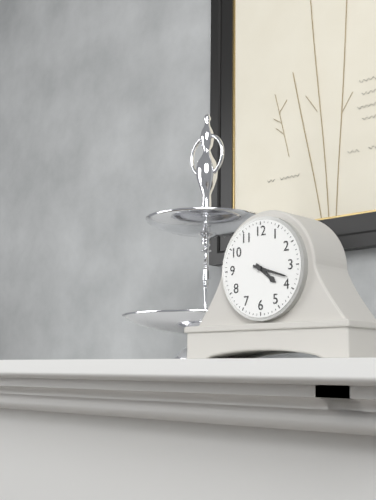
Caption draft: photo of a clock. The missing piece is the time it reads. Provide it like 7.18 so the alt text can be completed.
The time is 4.18
